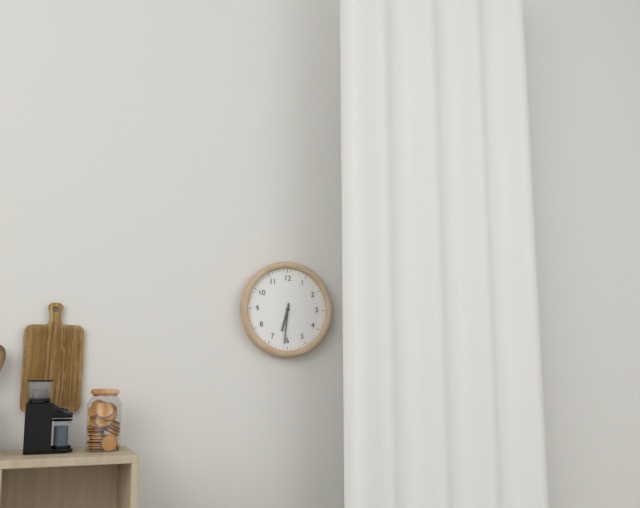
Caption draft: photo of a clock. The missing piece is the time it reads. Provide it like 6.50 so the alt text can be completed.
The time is 6.31
